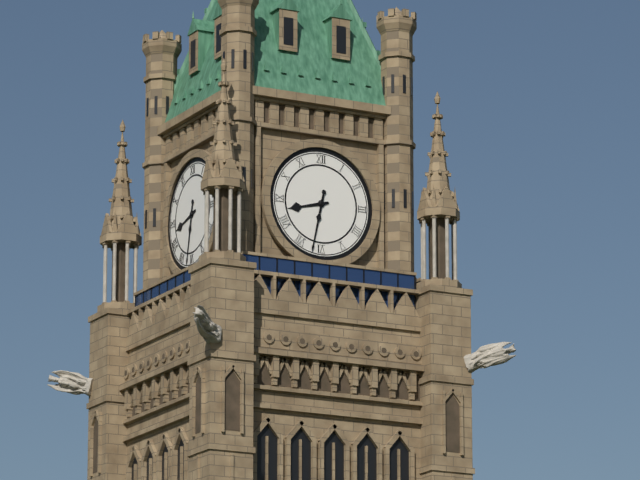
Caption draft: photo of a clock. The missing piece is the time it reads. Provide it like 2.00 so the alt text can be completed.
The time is 8.32
